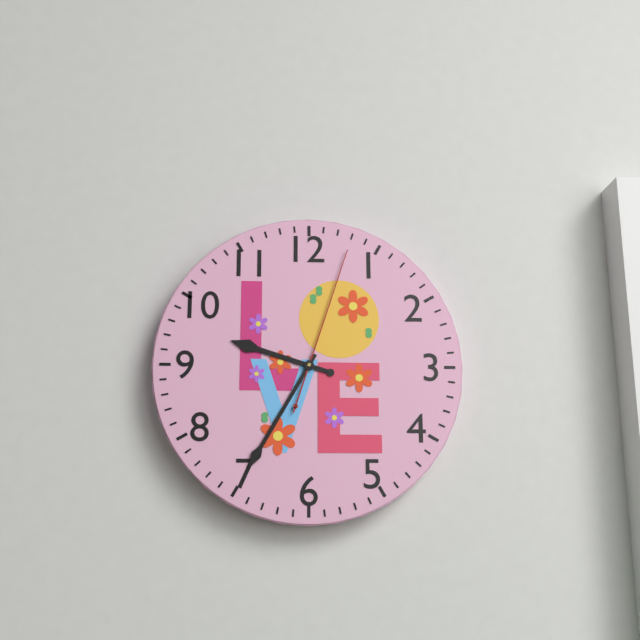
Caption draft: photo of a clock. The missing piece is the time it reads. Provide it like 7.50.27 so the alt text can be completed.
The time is 9.35.03
